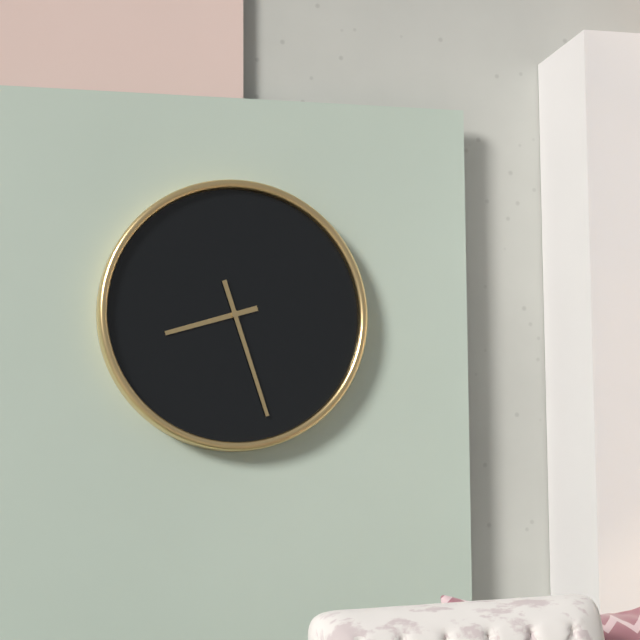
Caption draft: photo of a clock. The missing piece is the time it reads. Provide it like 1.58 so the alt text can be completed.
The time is 8.27
